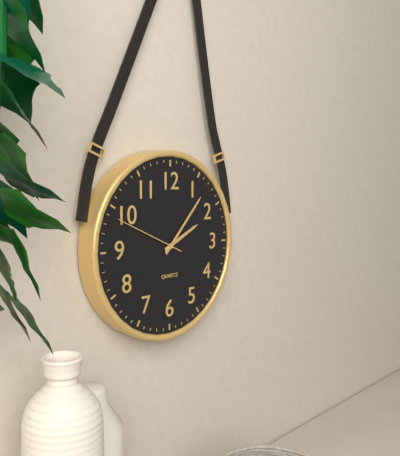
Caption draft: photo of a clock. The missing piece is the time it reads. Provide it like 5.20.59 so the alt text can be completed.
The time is 2.07.49
